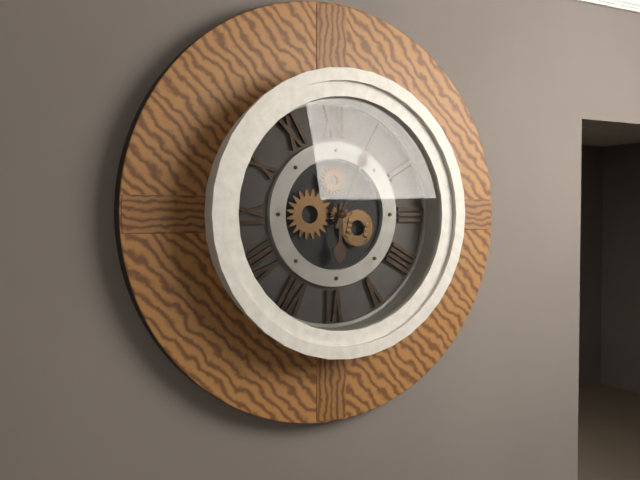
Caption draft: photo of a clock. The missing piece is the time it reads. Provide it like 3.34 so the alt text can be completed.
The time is 6.04
